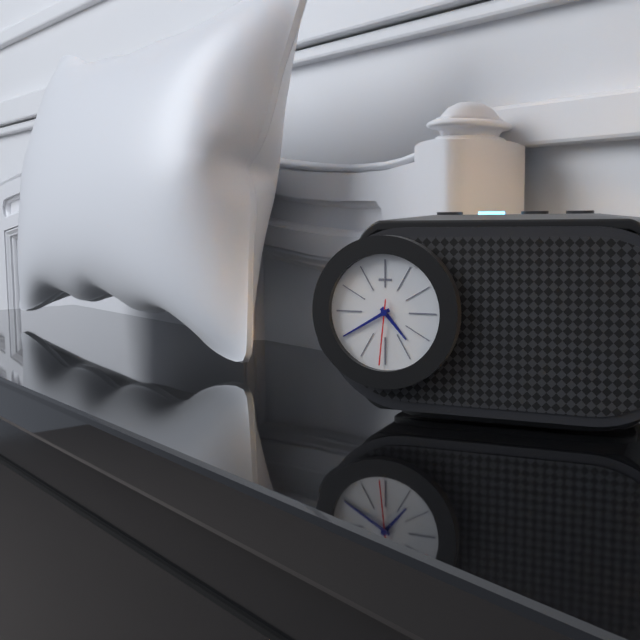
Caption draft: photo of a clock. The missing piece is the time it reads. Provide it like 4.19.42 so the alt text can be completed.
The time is 4.40.31
